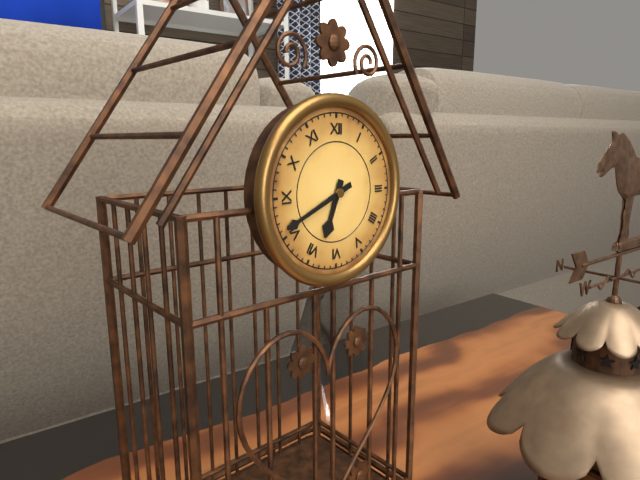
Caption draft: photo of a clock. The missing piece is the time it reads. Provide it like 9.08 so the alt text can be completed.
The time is 6.41
